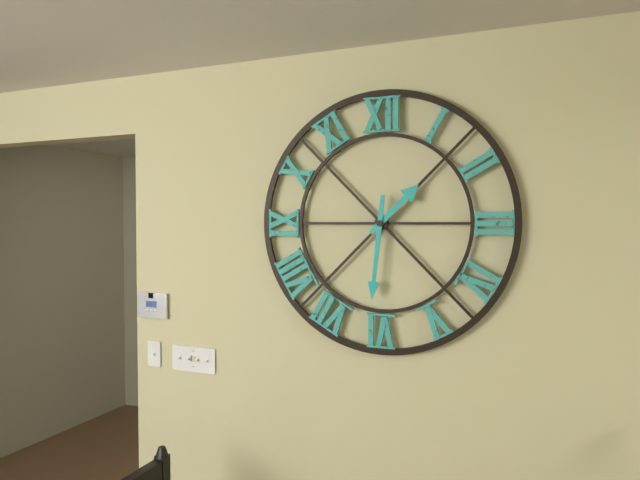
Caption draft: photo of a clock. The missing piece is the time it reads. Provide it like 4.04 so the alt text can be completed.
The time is 1.31
